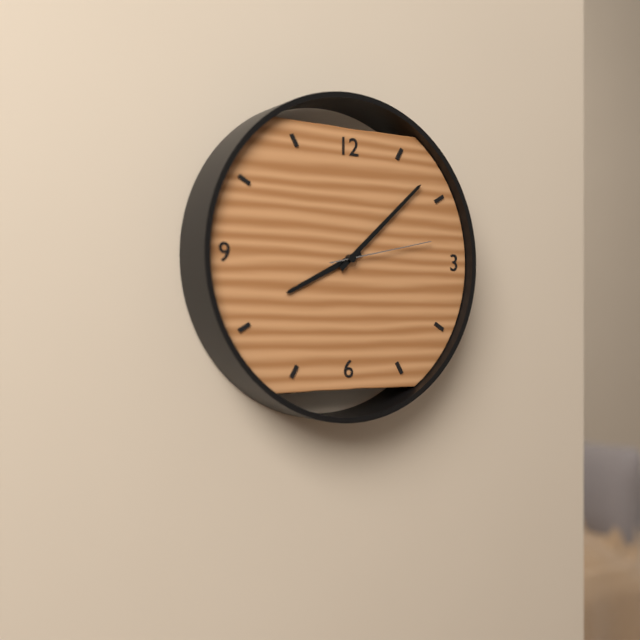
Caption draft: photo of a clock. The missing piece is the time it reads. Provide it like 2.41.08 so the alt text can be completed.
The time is 8.08.13
